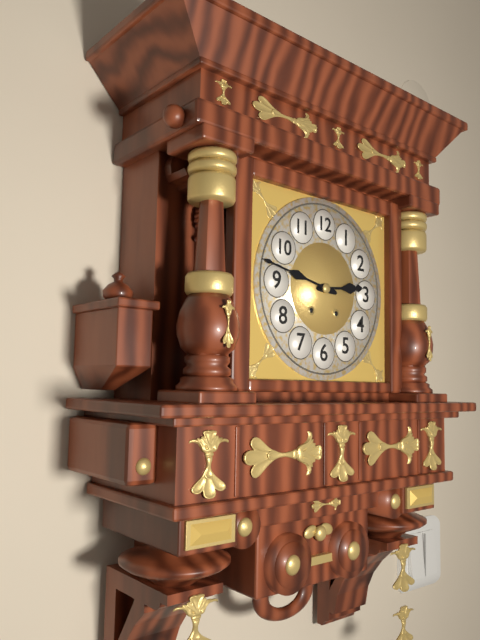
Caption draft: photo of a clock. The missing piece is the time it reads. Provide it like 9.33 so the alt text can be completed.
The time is 2.47
